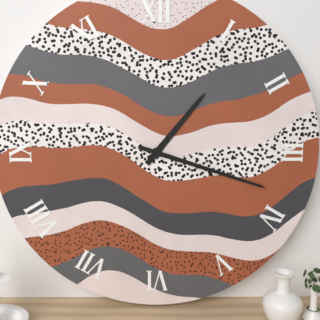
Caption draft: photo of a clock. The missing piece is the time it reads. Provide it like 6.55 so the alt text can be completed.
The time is 1.18
